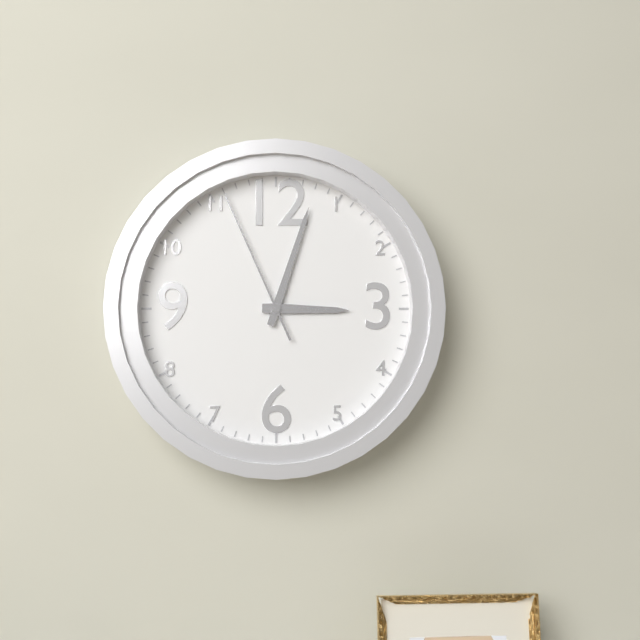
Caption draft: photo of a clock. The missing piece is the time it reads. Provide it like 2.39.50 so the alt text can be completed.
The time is 3.03.56
